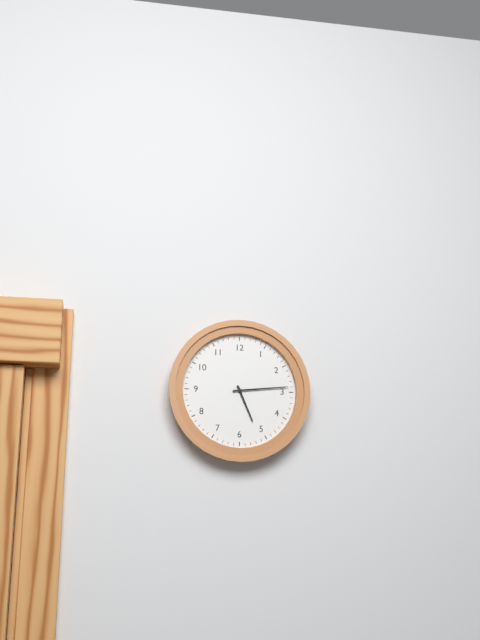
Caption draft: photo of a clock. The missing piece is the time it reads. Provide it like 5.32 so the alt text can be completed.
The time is 5.14
